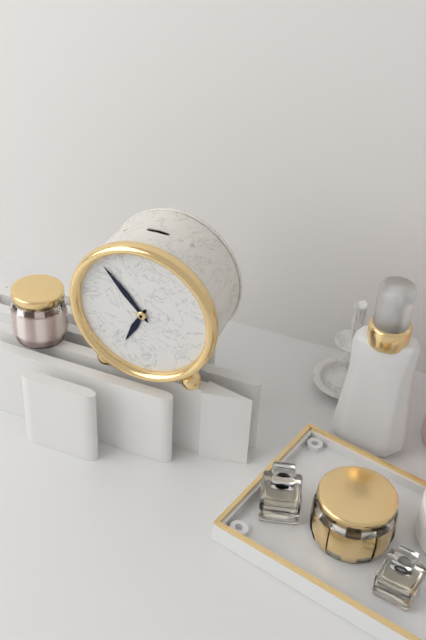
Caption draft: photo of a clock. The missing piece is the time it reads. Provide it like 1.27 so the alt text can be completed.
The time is 6.53
